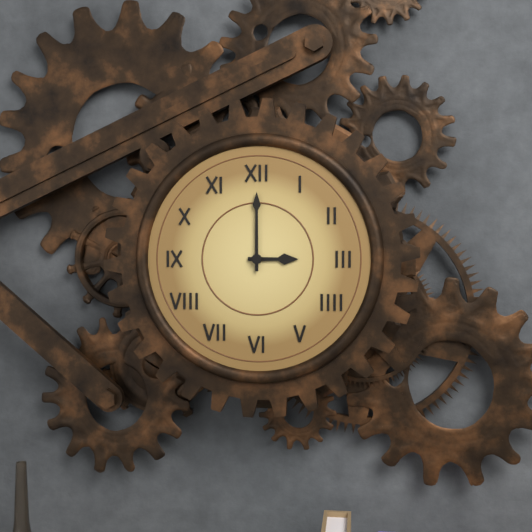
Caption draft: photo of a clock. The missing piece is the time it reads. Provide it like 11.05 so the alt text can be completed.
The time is 3.00
